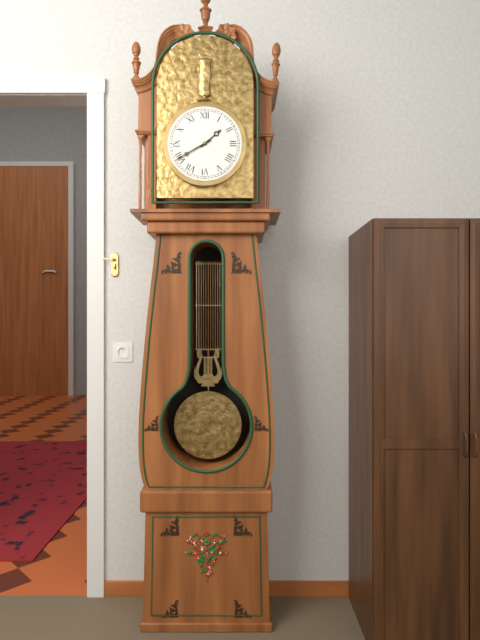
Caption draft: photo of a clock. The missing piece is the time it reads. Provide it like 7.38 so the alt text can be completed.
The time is 1.40
